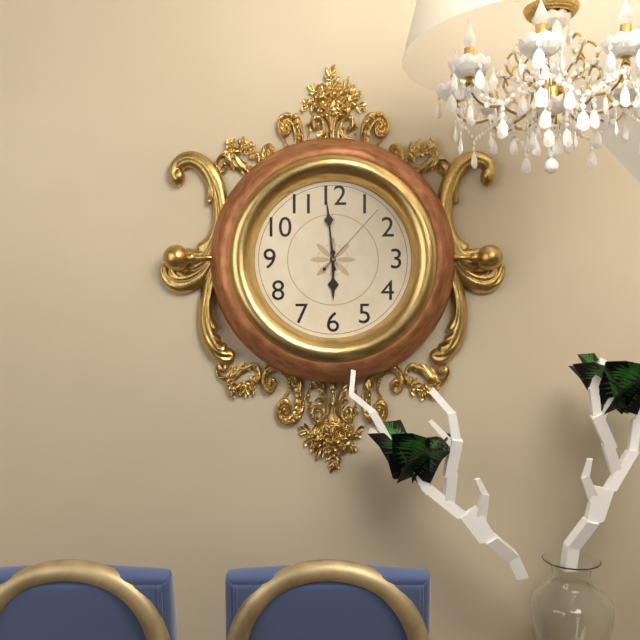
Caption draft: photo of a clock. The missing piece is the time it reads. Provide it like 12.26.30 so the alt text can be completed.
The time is 5.59.07
